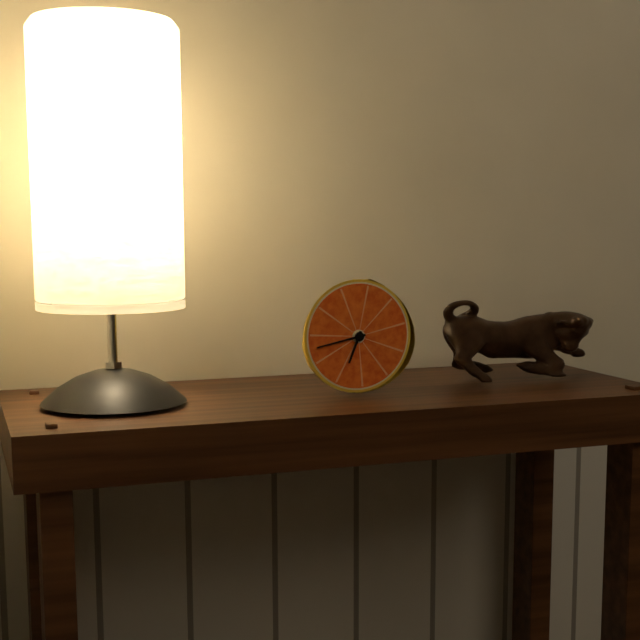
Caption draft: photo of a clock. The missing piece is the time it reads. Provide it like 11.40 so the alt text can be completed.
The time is 6.43
